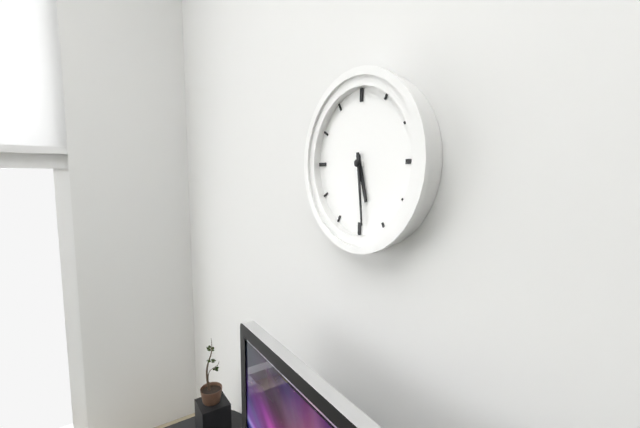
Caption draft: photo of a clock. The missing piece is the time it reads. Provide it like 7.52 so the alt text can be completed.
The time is 5.29
